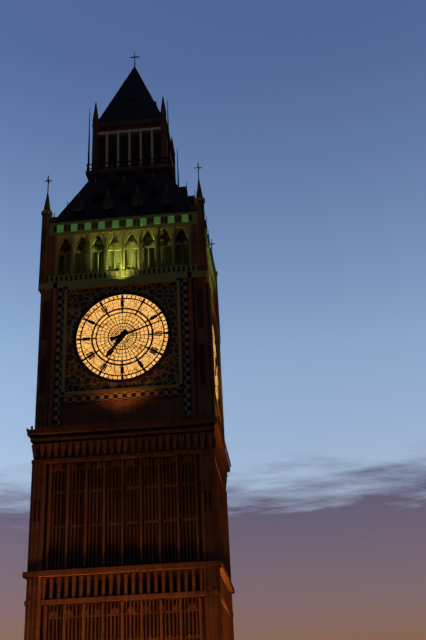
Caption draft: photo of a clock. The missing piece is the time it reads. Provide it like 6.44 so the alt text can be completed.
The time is 7.12
